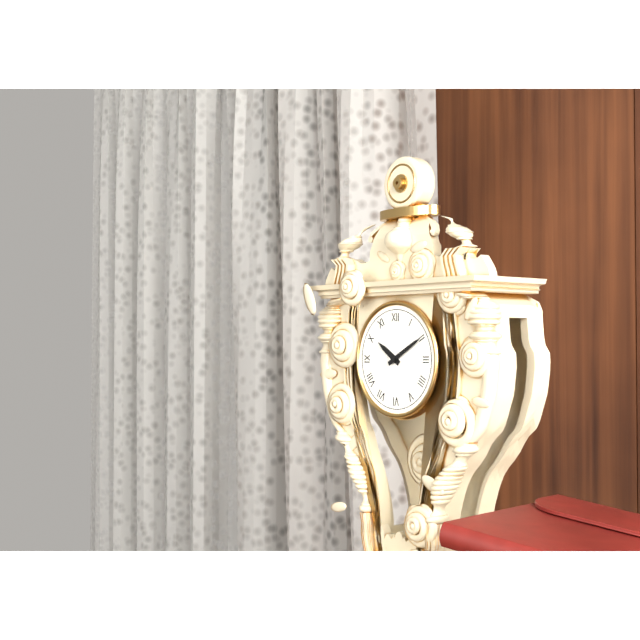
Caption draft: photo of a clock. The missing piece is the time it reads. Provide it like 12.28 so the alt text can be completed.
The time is 10.10
